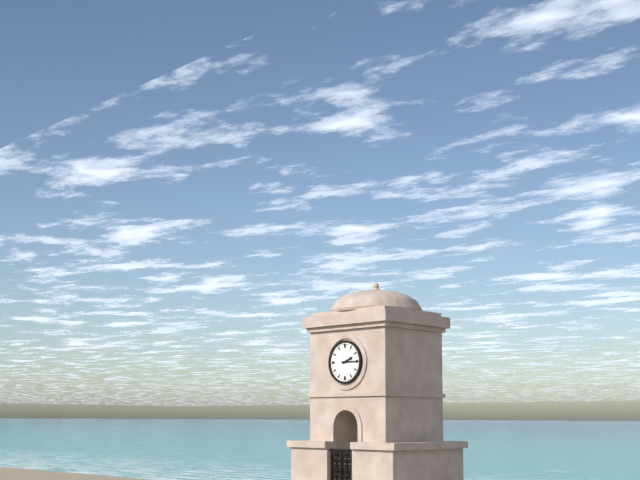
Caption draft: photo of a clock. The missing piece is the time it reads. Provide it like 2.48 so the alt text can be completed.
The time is 2.15
